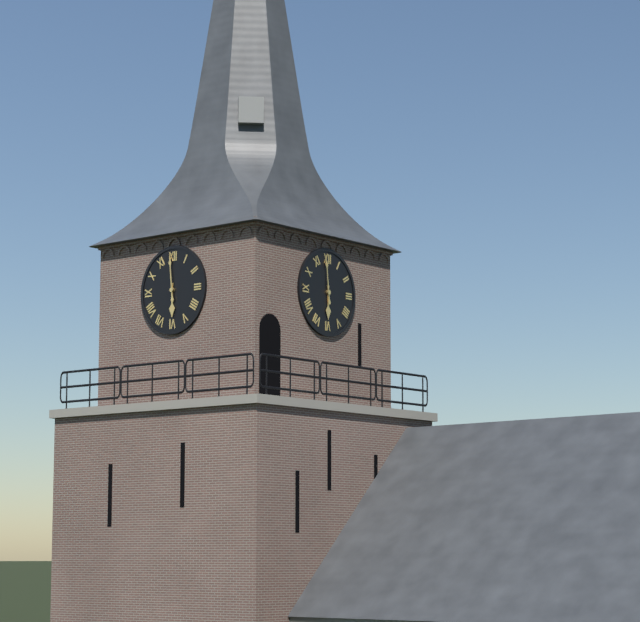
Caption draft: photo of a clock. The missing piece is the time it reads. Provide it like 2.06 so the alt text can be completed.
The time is 5.59
